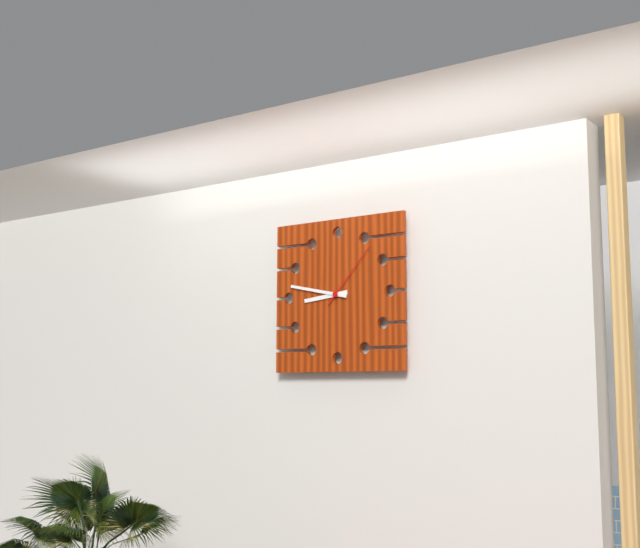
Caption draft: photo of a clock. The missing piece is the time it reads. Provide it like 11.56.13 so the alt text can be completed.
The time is 8.47.07
